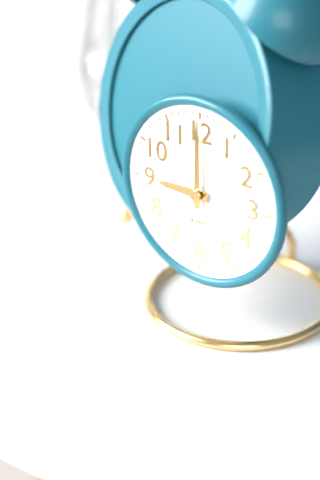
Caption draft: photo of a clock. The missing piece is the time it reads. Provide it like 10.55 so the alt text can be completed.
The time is 9.00
